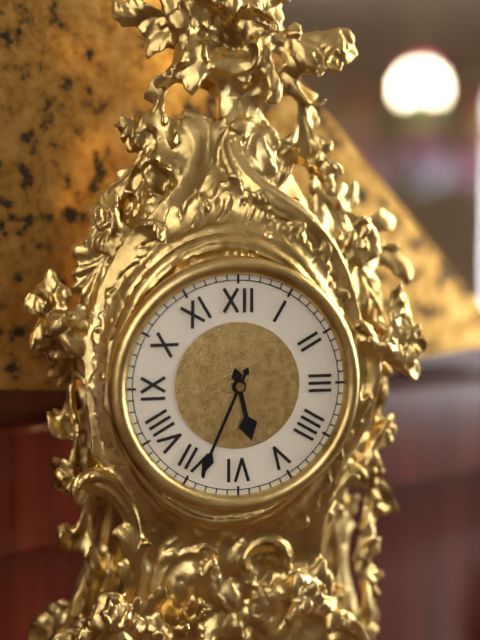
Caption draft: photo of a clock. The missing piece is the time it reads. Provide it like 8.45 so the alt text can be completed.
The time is 5.34
